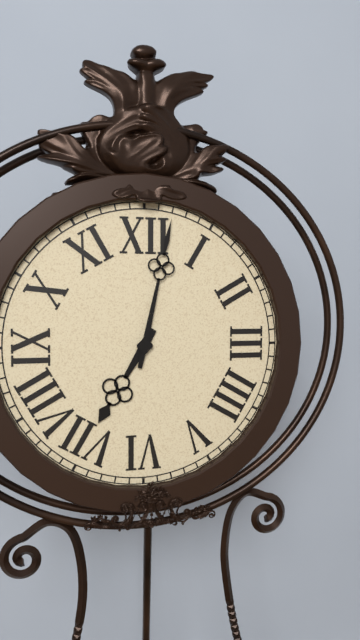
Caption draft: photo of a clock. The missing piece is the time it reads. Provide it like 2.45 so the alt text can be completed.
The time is 7.02
